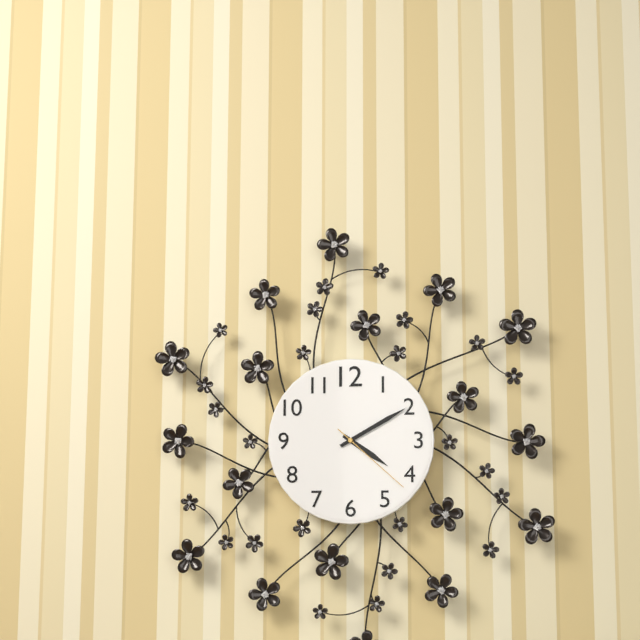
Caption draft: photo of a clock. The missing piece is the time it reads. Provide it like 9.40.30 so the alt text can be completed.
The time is 4.10.22
